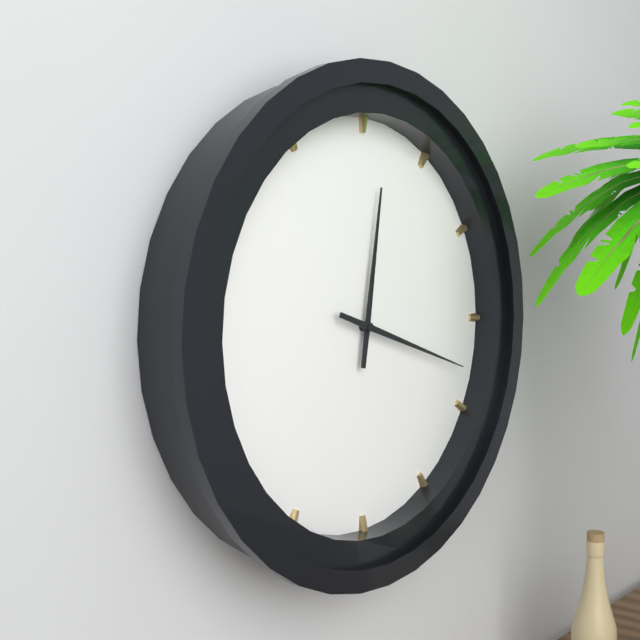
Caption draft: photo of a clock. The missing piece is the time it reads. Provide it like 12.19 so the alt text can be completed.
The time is 12.18
